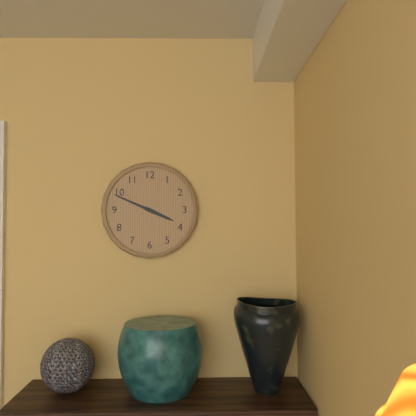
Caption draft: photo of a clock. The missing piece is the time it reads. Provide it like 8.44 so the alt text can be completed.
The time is 3.49
